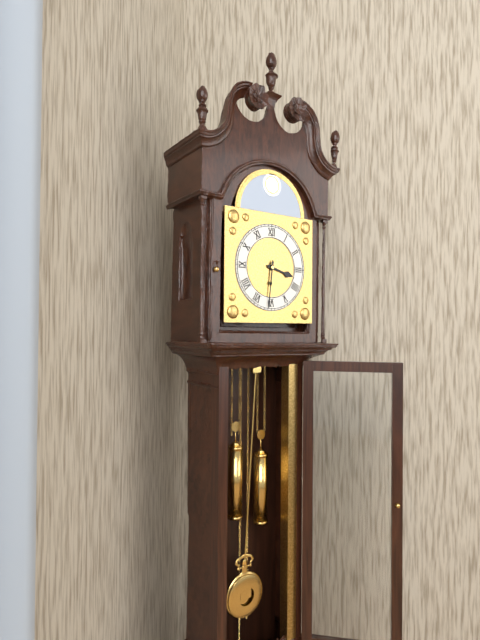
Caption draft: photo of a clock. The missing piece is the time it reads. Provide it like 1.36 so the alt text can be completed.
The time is 3.31
